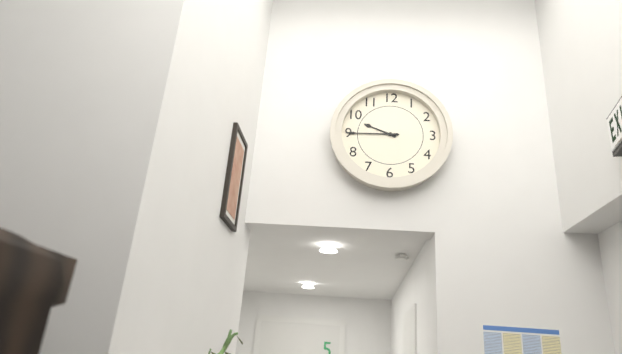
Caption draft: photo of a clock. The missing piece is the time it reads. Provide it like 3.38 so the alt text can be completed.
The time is 9.45
